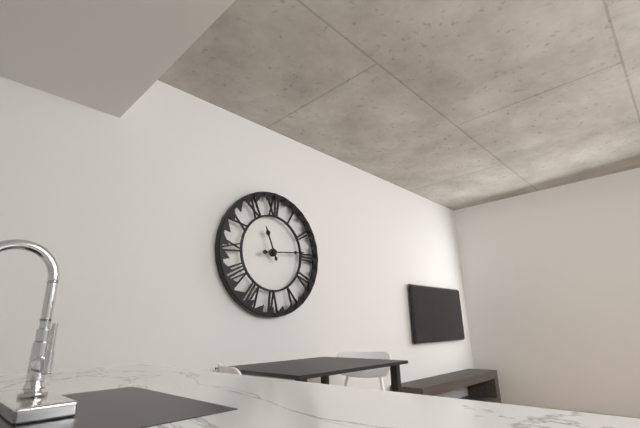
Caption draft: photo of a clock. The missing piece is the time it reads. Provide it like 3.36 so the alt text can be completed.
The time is 11.14
